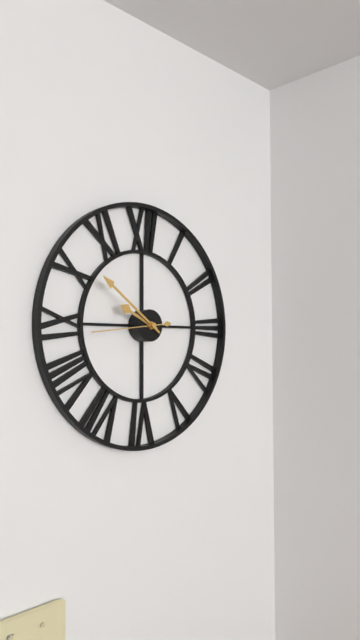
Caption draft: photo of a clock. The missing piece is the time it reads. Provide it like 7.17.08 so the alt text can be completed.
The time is 9.51.44
